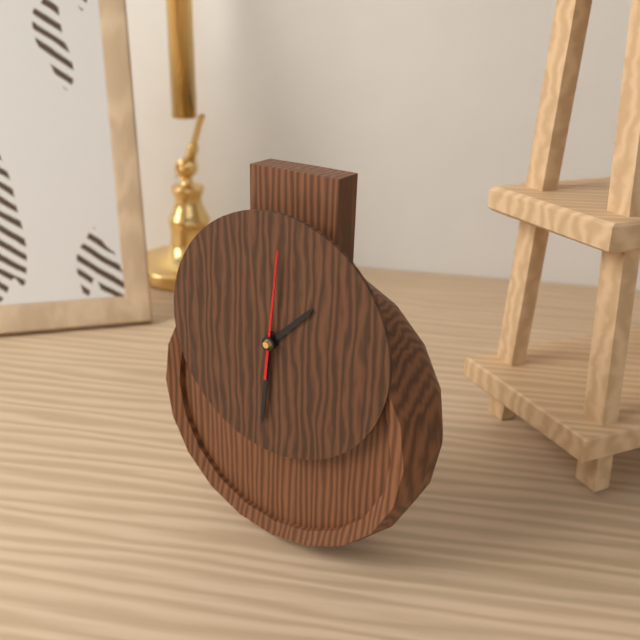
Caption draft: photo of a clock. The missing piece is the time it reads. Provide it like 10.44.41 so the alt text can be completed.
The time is 1.31.01
